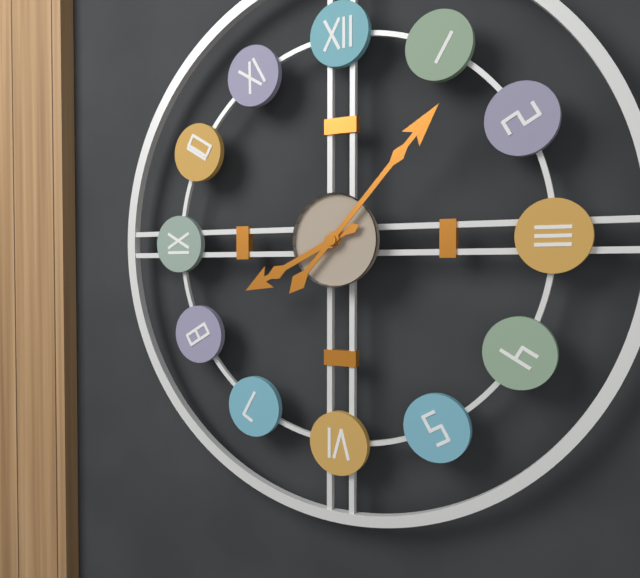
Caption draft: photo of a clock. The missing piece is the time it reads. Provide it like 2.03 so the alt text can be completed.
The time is 8.07
